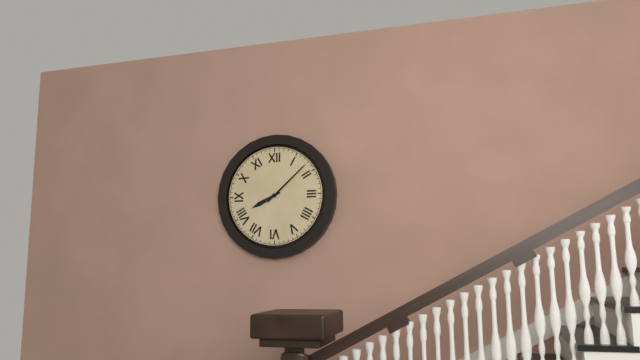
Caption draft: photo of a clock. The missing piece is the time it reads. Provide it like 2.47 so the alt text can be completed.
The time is 8.08
